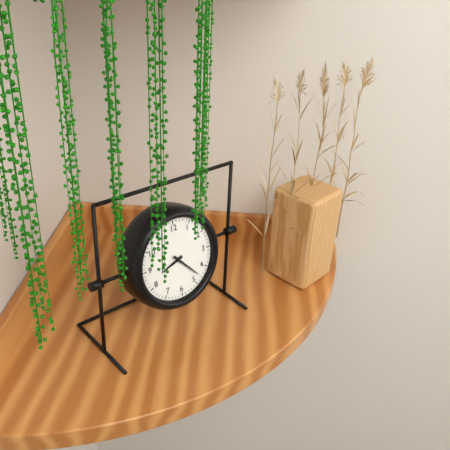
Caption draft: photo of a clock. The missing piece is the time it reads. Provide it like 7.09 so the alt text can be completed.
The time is 8.23
